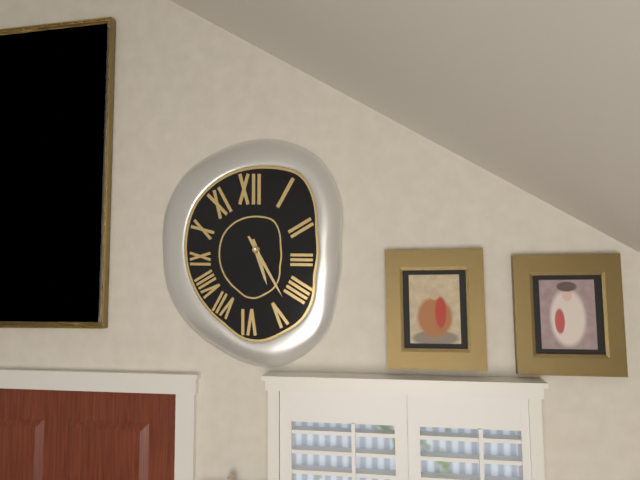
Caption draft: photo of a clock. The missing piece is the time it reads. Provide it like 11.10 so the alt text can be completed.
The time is 5.25
